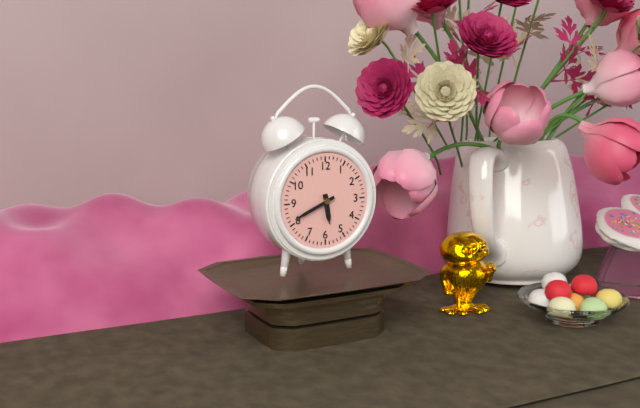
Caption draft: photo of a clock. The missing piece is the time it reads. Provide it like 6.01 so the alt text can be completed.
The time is 5.41
